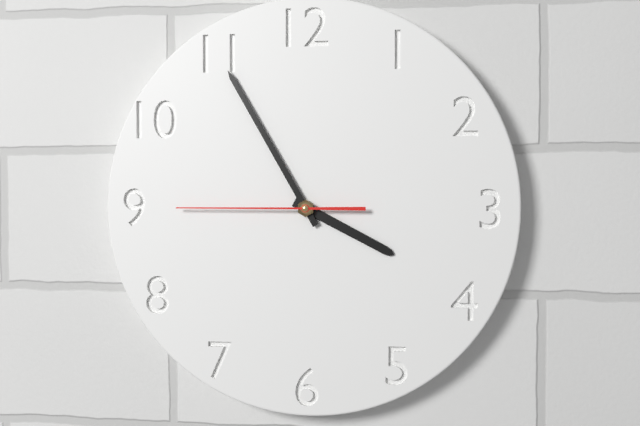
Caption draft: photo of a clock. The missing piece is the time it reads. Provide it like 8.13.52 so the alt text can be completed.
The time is 3.55.45
